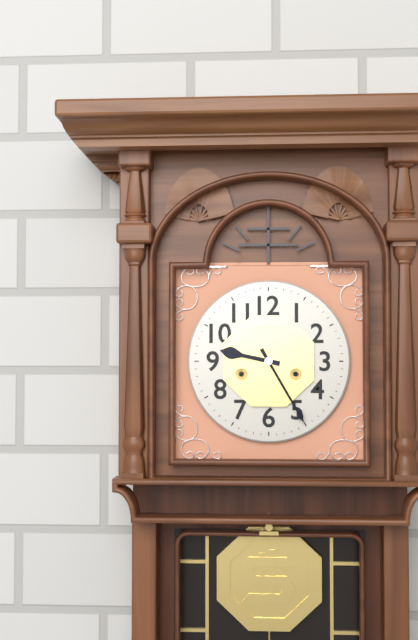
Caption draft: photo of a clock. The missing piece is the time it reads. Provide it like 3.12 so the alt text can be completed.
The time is 9.25
